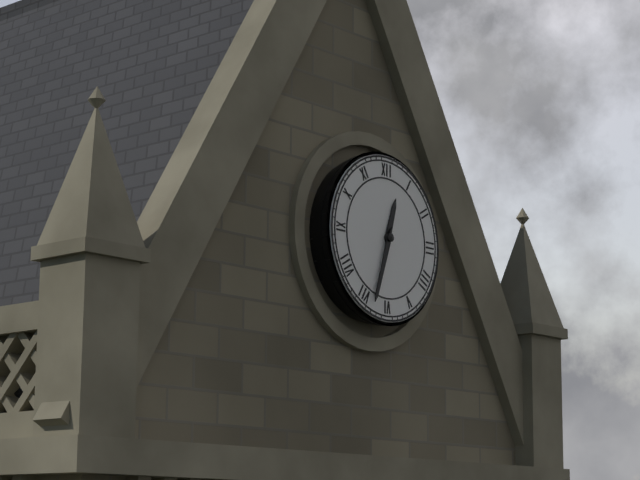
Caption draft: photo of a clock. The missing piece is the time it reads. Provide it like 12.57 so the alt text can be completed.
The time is 12.33
